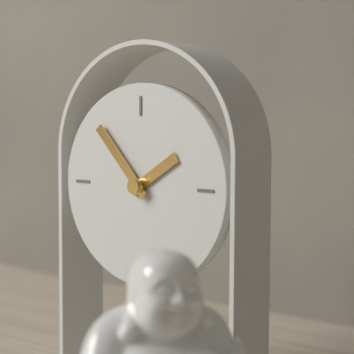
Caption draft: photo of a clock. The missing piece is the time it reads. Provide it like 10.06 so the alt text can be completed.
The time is 1.53
